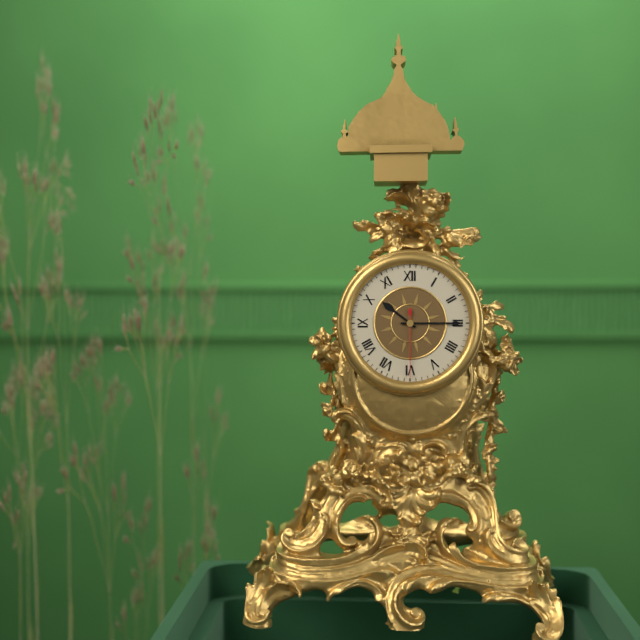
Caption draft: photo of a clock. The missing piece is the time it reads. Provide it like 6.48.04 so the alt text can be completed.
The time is 10.15.30
